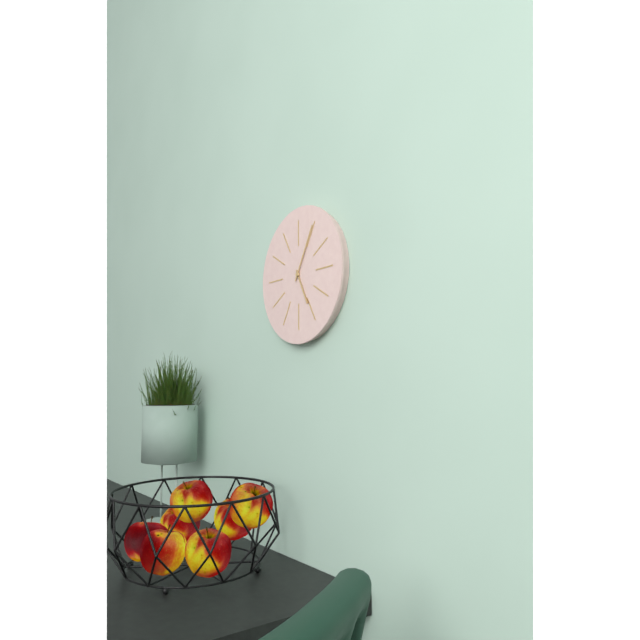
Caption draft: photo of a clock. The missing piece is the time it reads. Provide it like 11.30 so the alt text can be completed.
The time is 5.05
